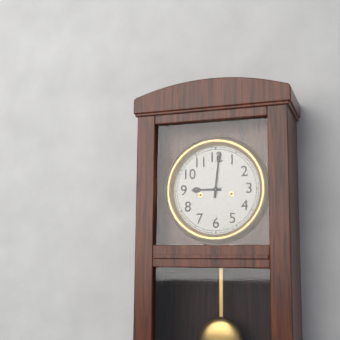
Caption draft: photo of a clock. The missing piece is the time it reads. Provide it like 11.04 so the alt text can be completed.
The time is 9.01
